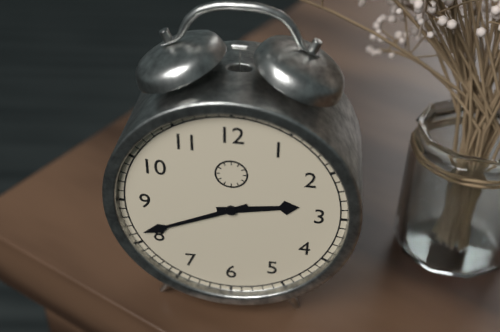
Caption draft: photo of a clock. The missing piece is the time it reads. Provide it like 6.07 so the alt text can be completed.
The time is 2.41
